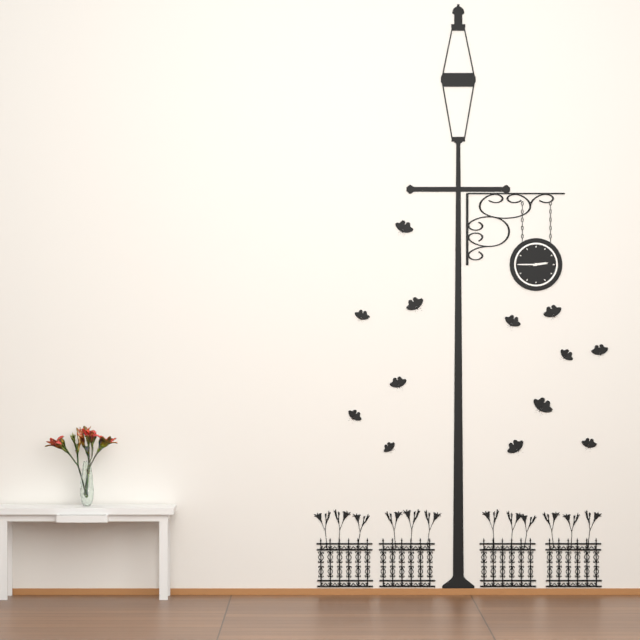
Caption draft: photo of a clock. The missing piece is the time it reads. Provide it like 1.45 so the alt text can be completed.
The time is 2.45
